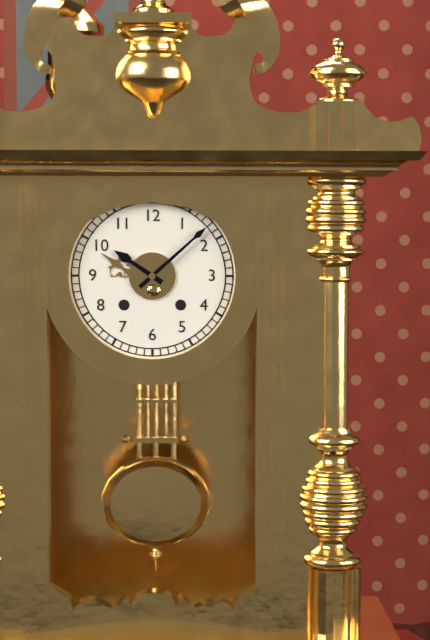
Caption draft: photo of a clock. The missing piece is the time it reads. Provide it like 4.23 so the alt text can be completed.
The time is 10.08
